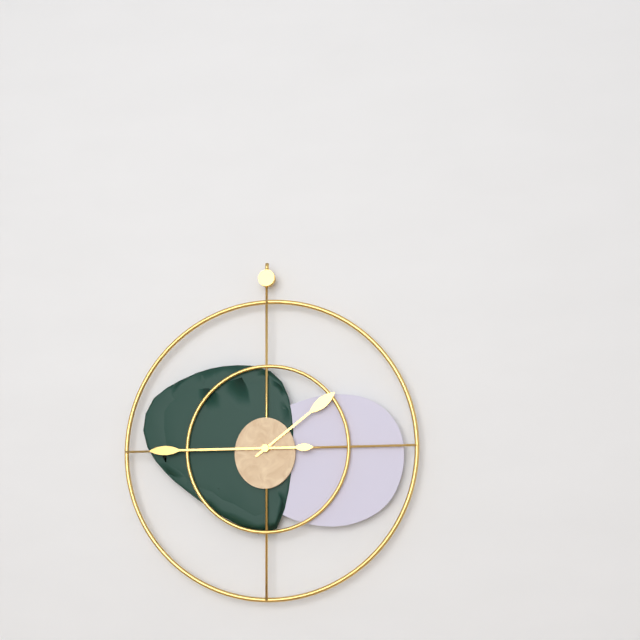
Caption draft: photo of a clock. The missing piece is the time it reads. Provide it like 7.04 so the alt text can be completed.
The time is 1.45
